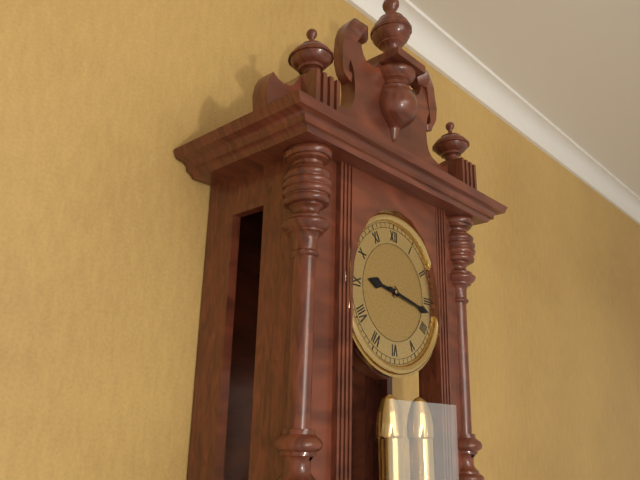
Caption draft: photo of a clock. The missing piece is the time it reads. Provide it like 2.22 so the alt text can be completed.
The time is 9.17
